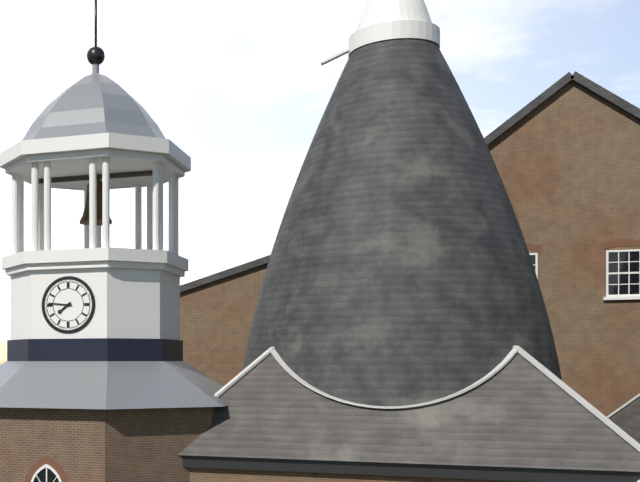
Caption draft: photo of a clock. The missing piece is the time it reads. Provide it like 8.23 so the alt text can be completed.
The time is 7.46
